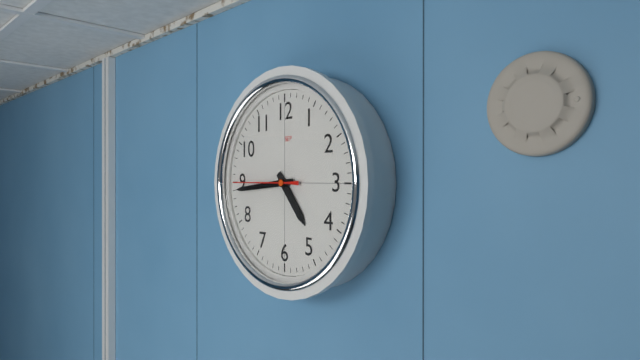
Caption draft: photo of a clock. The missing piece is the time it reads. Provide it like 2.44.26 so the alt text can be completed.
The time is 4.44.45
